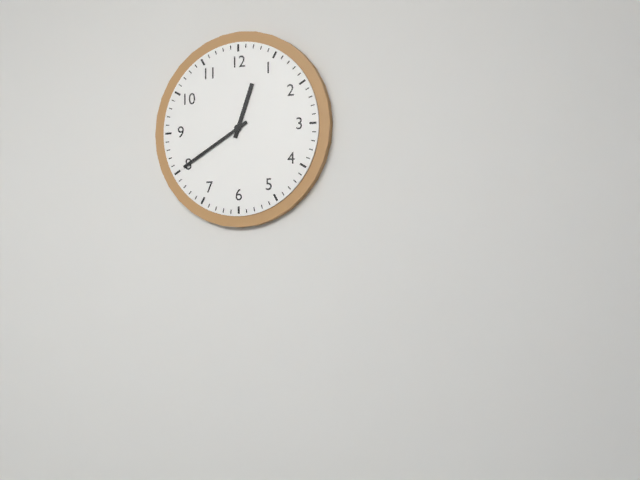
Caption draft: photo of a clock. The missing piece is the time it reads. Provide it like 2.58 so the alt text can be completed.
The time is 12.40
